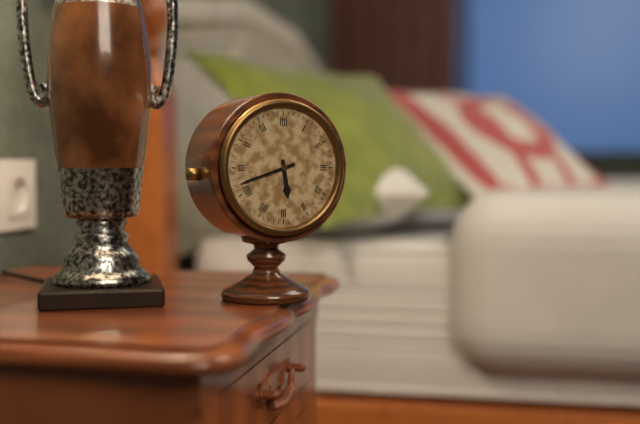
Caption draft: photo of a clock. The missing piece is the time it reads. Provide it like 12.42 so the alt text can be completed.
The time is 5.42
